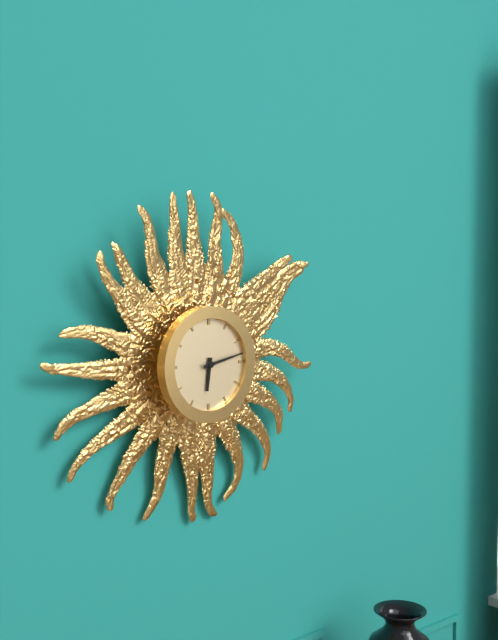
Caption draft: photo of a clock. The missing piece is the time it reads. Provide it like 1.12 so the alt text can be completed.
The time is 6.13
